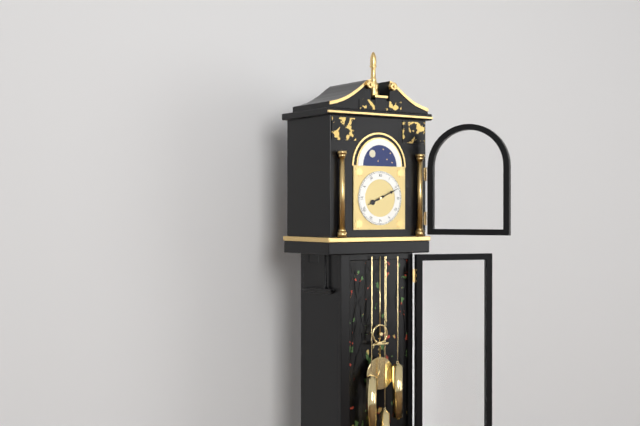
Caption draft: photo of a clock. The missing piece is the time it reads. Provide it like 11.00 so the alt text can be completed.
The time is 8.11
